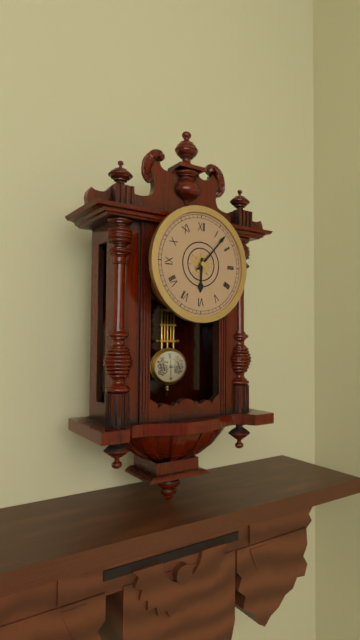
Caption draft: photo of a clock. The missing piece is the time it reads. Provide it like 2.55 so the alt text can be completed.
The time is 6.07
